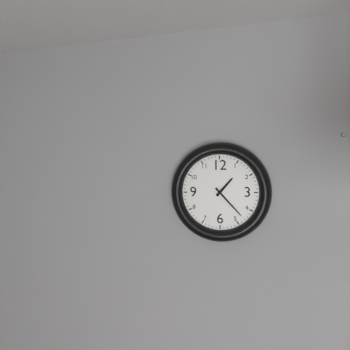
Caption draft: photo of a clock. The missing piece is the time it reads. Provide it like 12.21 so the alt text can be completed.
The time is 1.23
